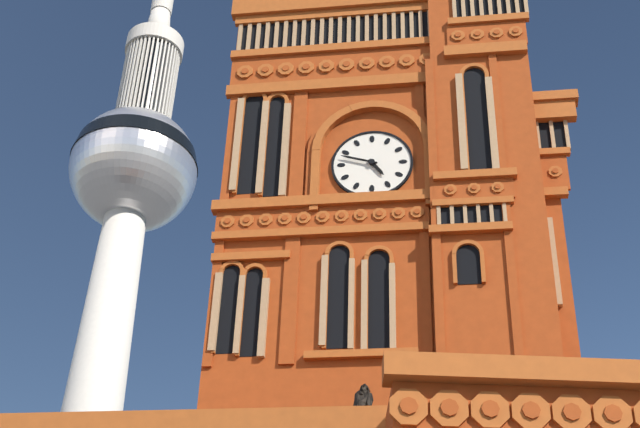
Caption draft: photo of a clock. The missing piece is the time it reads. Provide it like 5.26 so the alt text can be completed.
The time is 4.48
